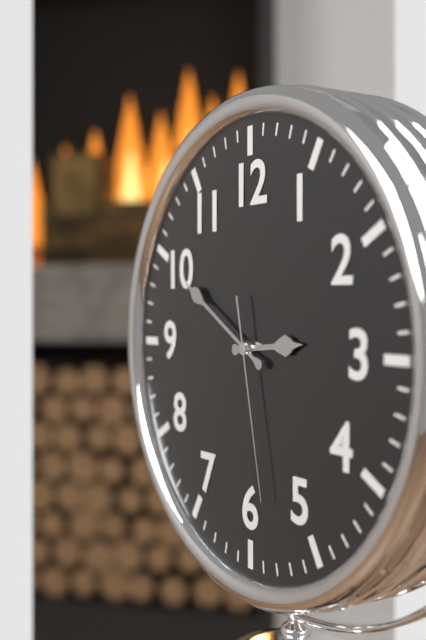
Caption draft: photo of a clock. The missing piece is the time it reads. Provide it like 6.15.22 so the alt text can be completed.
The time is 2.50.28
